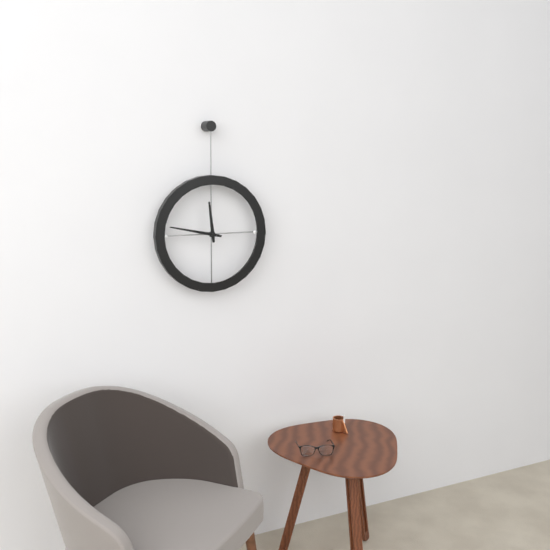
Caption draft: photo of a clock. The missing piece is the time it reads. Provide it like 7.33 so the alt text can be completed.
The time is 11.47
